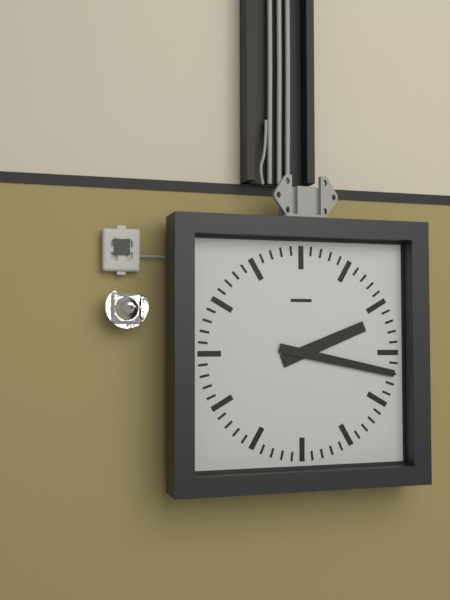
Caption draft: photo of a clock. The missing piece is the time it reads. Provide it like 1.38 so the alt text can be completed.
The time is 2.17
